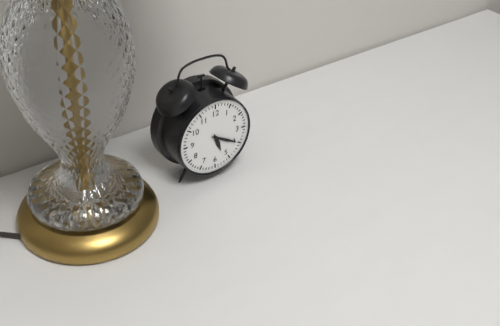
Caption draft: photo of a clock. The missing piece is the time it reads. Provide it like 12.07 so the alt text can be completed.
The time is 5.20
